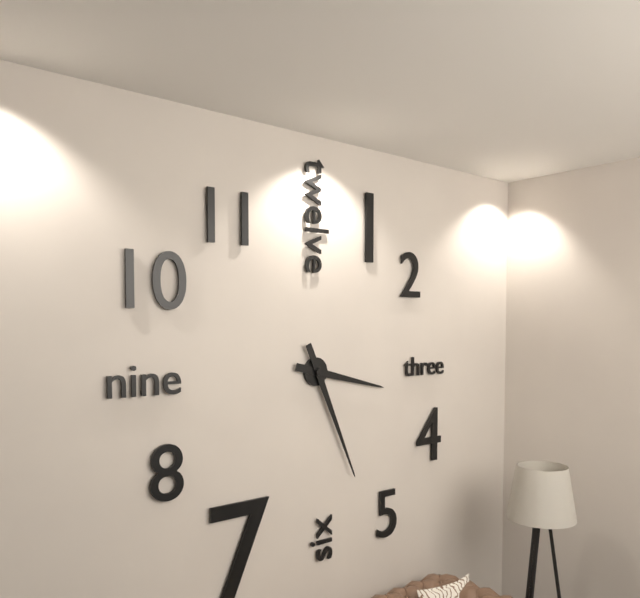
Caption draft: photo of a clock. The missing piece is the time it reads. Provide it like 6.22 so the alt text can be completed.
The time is 3.26
